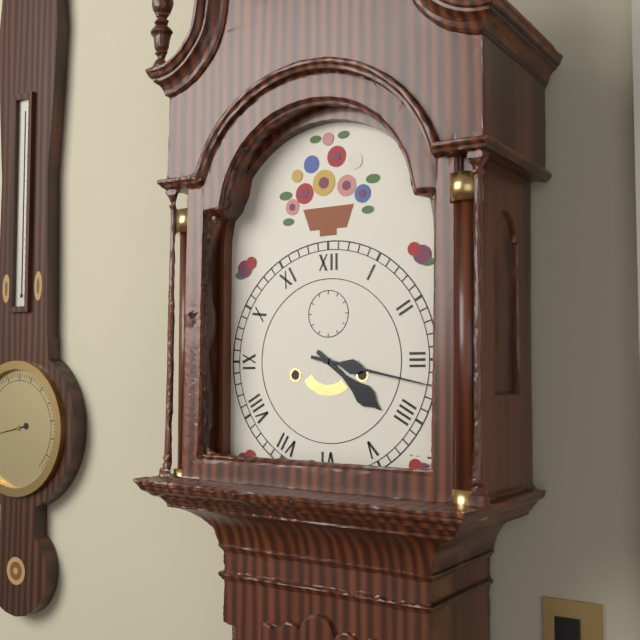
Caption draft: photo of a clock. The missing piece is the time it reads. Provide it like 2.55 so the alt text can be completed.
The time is 4.17
